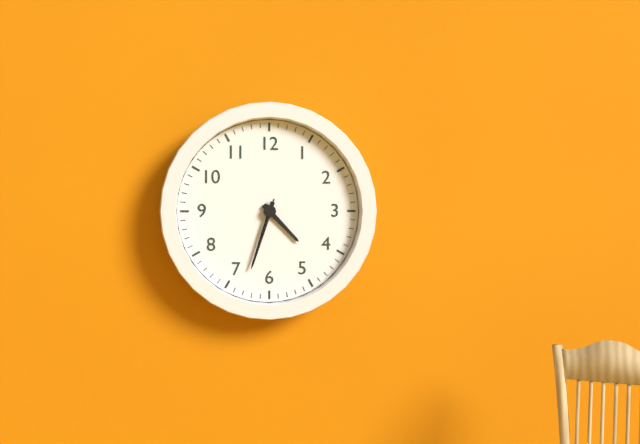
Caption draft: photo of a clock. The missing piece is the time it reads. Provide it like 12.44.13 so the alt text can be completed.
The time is 4.33.33
